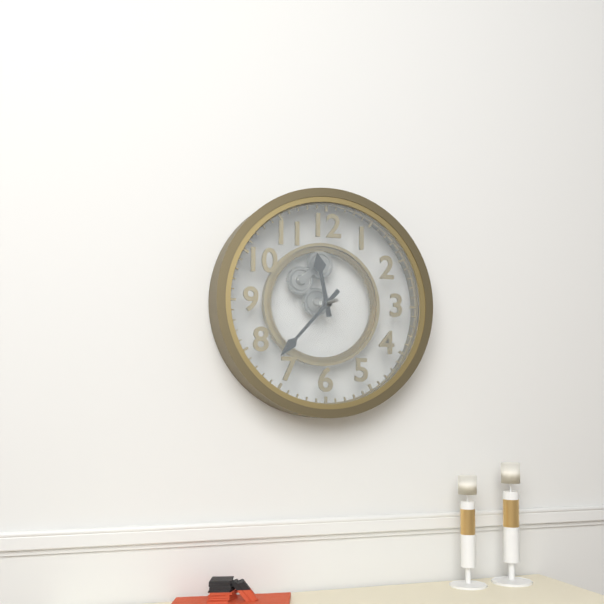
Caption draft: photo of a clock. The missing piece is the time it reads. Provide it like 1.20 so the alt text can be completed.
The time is 11.37
